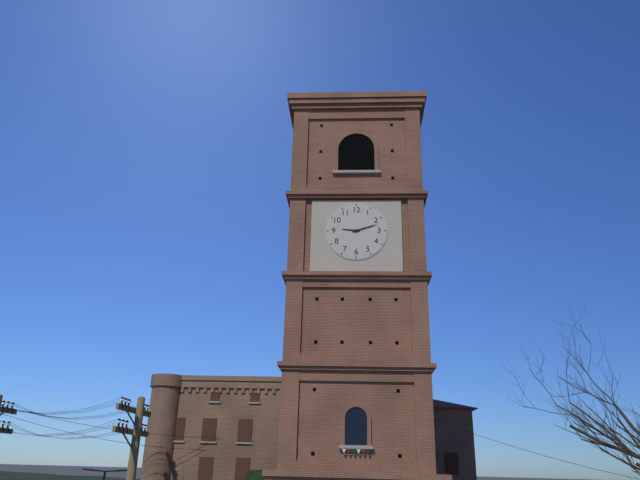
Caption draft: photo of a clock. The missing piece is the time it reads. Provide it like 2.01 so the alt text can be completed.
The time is 9.12
